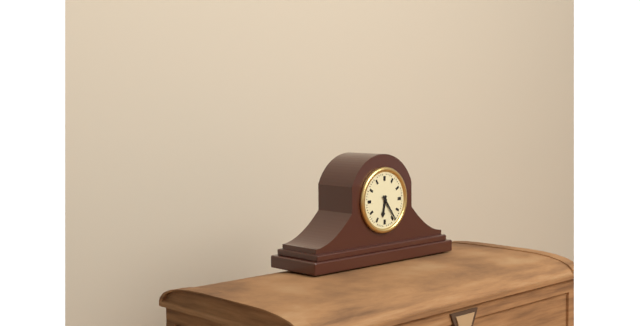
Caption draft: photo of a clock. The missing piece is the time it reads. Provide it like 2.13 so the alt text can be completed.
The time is 6.24
